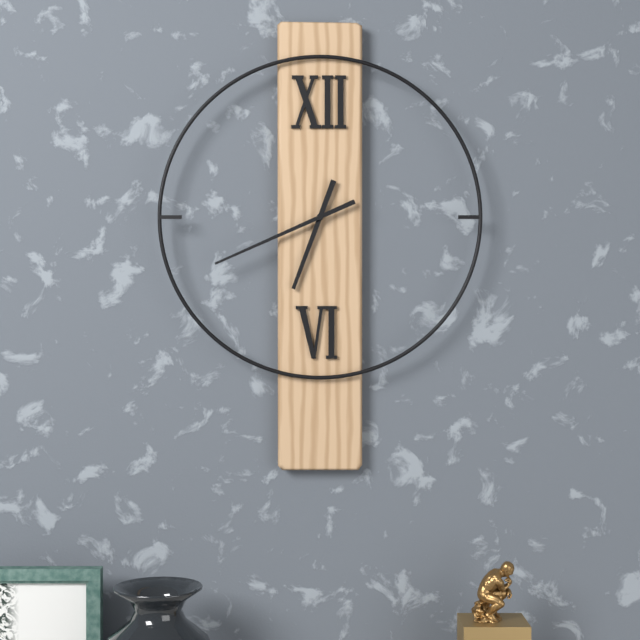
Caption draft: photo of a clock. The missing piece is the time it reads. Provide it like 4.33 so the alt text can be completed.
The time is 6.41
